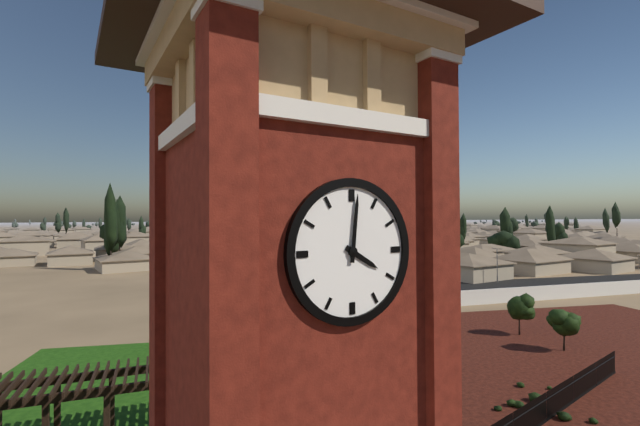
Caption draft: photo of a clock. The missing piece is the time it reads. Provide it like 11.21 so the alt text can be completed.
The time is 4.01
